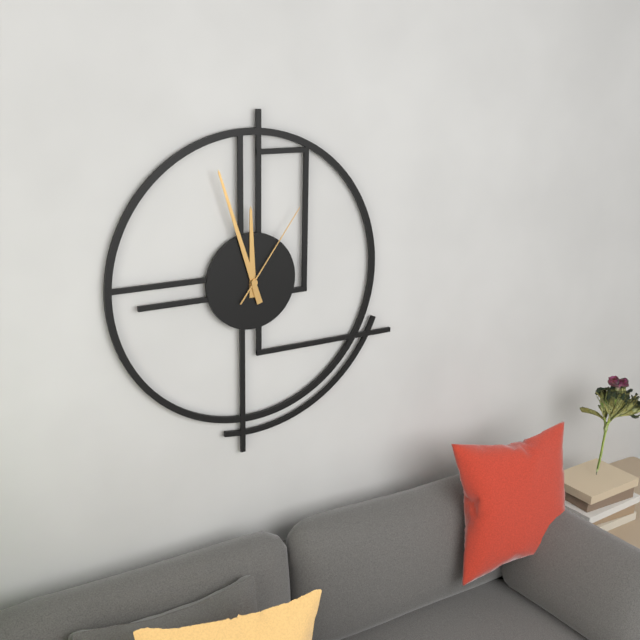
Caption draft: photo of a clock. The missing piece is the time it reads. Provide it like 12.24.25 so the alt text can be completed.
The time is 11.57.06
